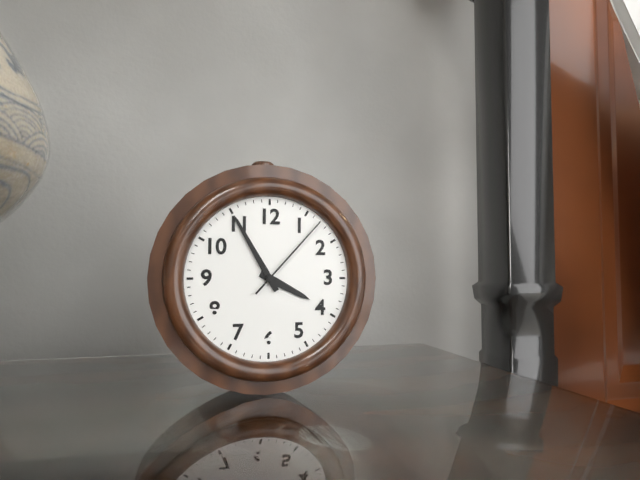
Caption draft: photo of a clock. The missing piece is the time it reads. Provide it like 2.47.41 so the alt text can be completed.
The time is 3.55.07
